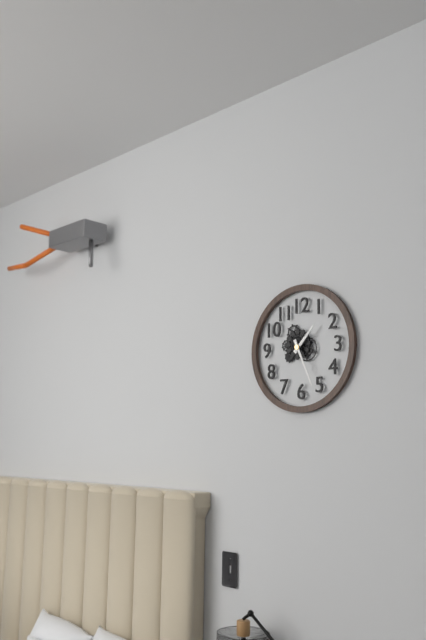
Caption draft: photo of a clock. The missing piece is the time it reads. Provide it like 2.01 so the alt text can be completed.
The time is 1.26
